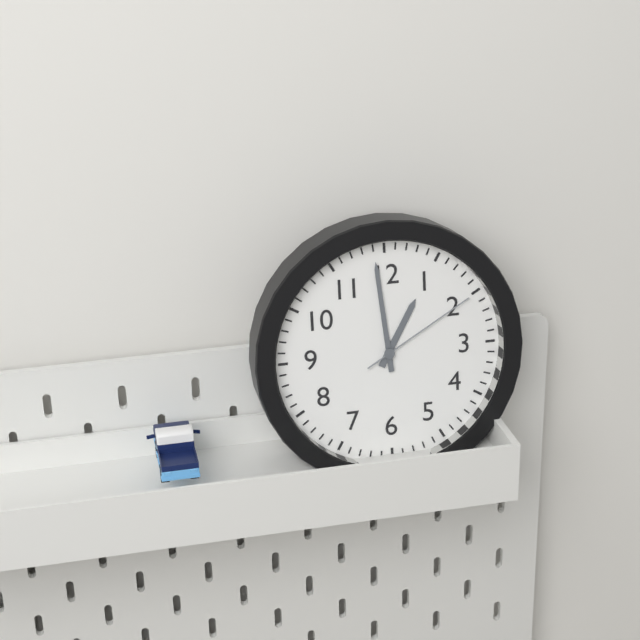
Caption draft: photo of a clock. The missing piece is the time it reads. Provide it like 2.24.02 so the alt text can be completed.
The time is 12.59.10
